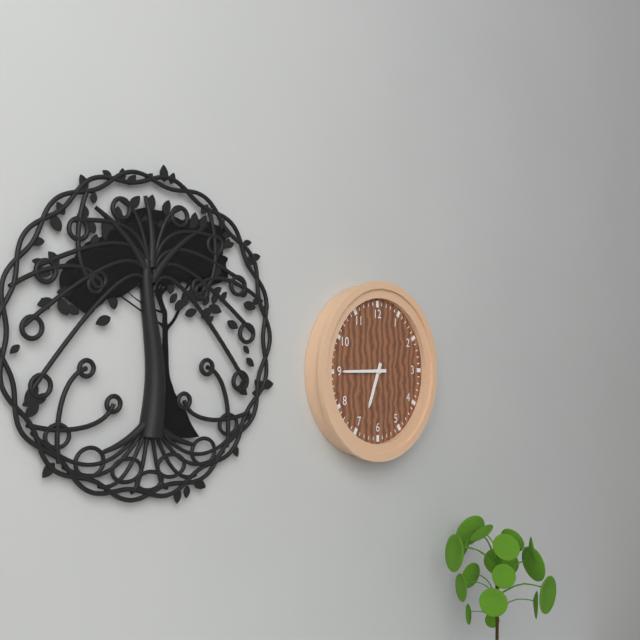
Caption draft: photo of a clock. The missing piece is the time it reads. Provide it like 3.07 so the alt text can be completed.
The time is 6.45
